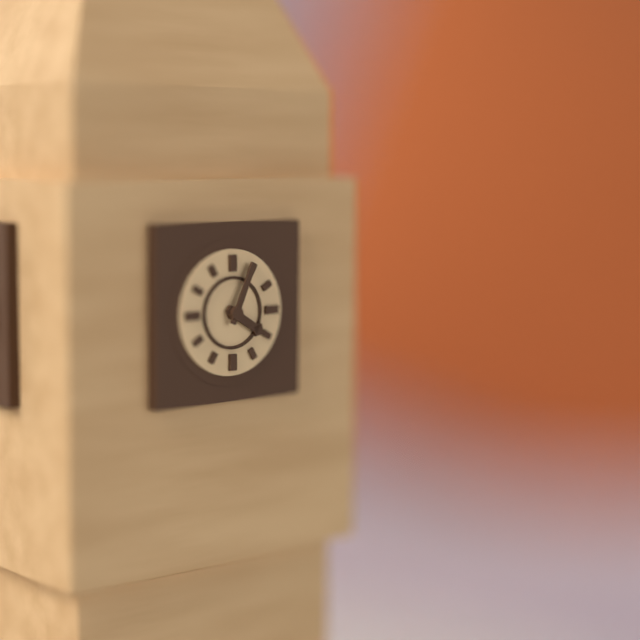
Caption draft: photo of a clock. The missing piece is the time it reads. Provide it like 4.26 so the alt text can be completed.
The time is 4.04
